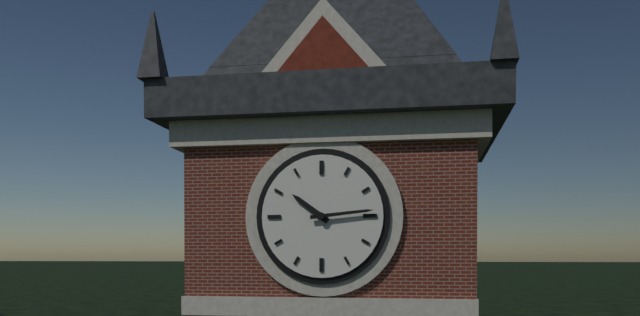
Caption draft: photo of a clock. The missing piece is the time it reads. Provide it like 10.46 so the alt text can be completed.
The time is 10.14
